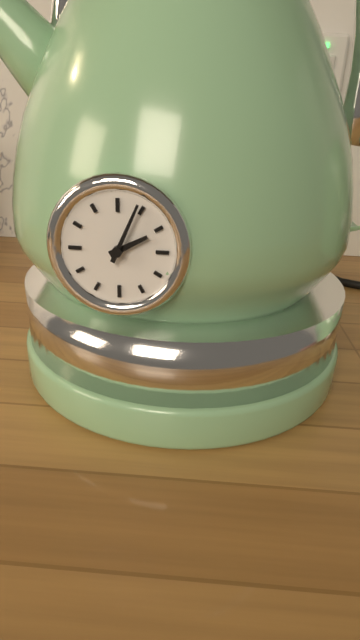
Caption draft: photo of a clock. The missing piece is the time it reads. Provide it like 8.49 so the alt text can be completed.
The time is 2.04
